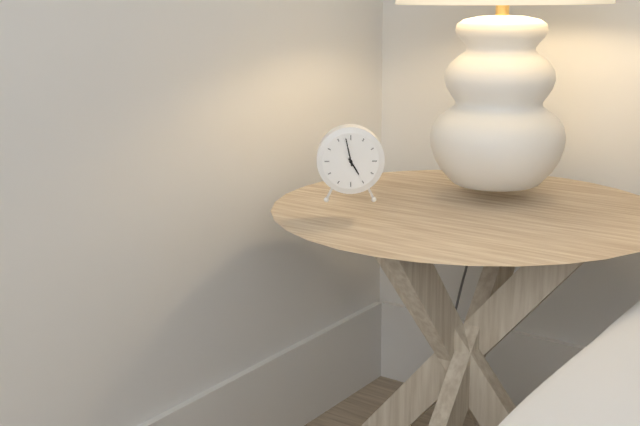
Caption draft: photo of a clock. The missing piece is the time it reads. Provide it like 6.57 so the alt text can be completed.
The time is 4.58
